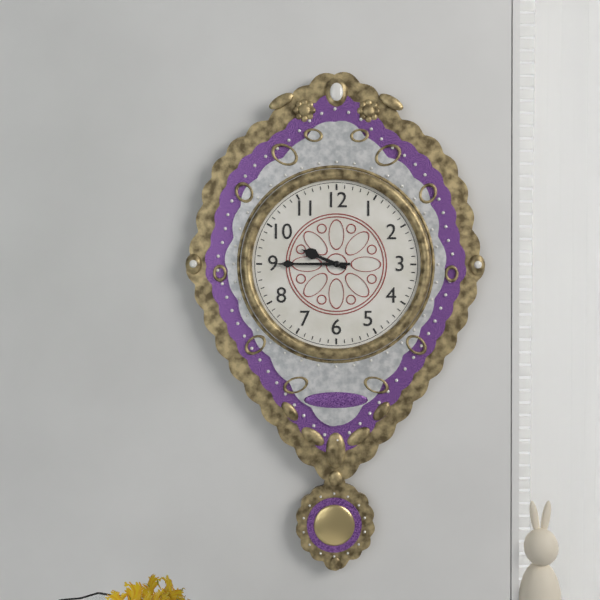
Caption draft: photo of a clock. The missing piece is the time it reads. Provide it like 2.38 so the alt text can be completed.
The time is 9.45
